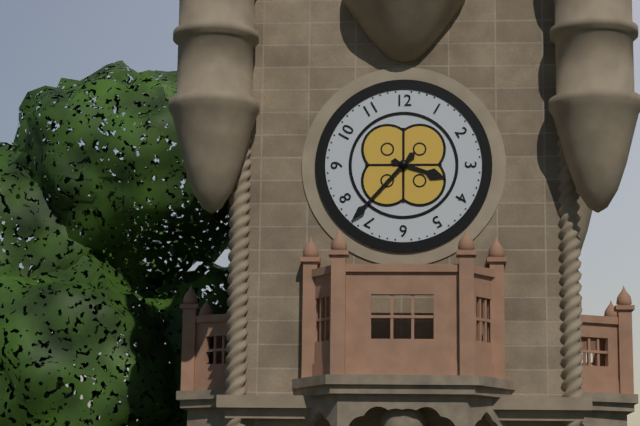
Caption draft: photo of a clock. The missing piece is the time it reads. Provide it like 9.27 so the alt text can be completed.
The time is 3.37
